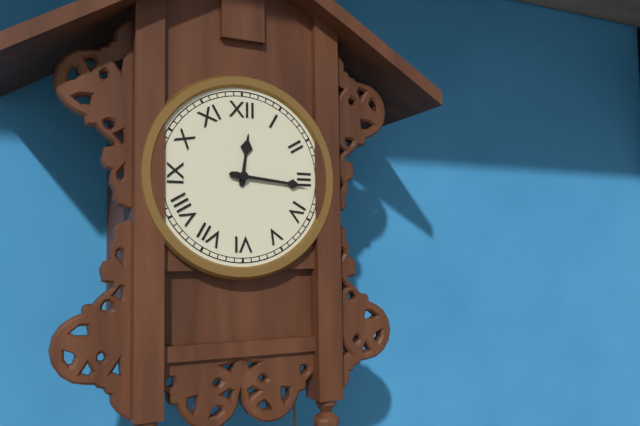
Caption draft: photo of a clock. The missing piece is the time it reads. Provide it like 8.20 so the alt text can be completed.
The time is 12.16
